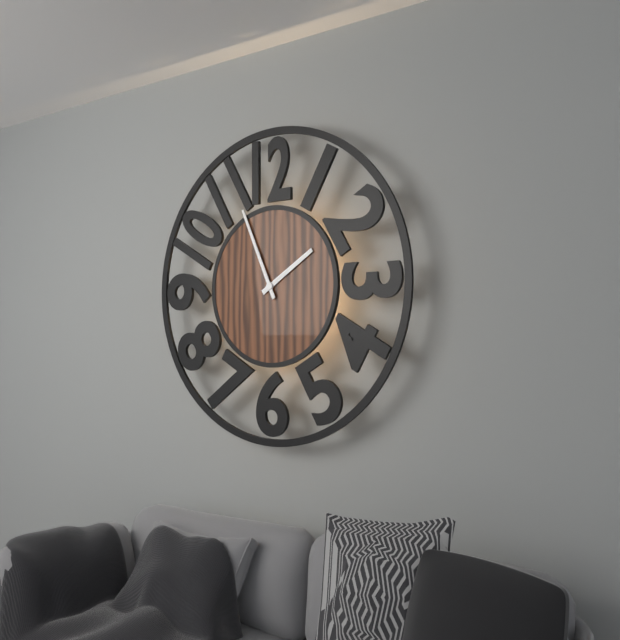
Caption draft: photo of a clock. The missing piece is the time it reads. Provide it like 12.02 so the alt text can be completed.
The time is 1.56
